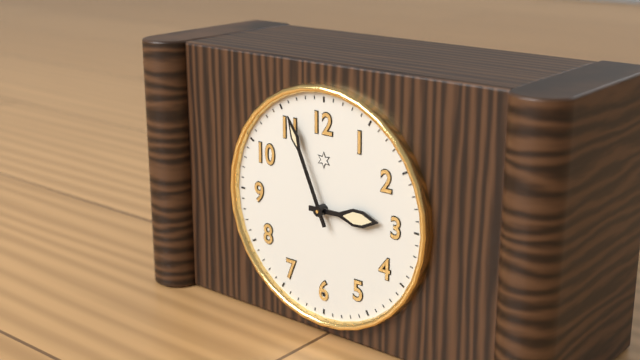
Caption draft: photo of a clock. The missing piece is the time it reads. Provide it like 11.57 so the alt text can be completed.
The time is 2.56
